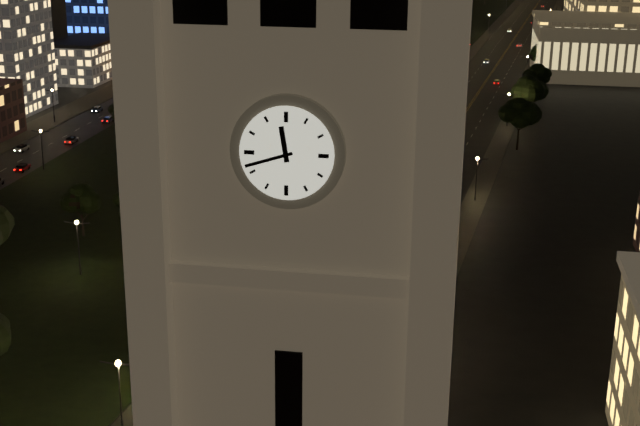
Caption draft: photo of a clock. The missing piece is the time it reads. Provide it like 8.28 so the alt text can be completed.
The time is 11.42
